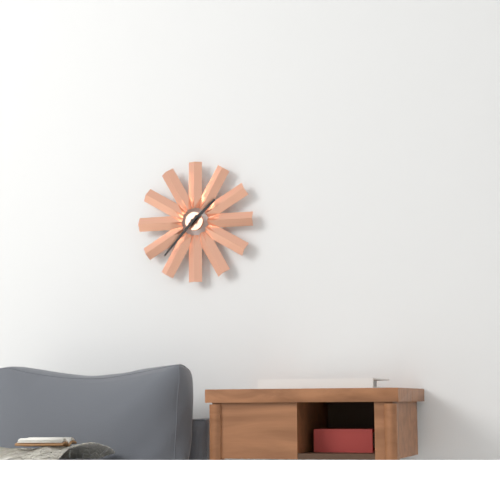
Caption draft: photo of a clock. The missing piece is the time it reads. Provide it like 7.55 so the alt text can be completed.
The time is 1.37
